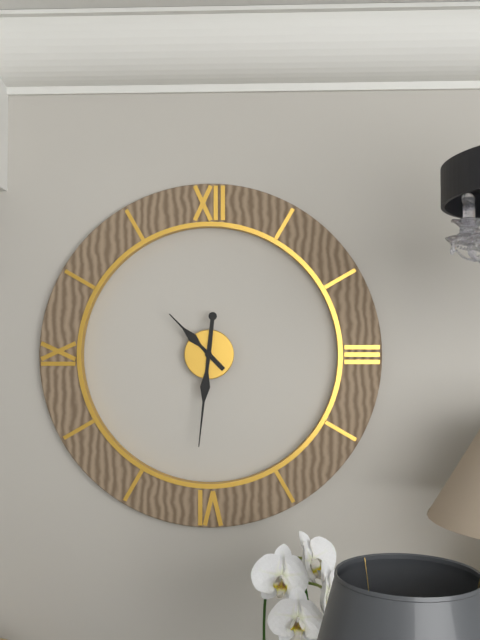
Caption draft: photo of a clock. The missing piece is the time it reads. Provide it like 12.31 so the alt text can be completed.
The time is 10.31
